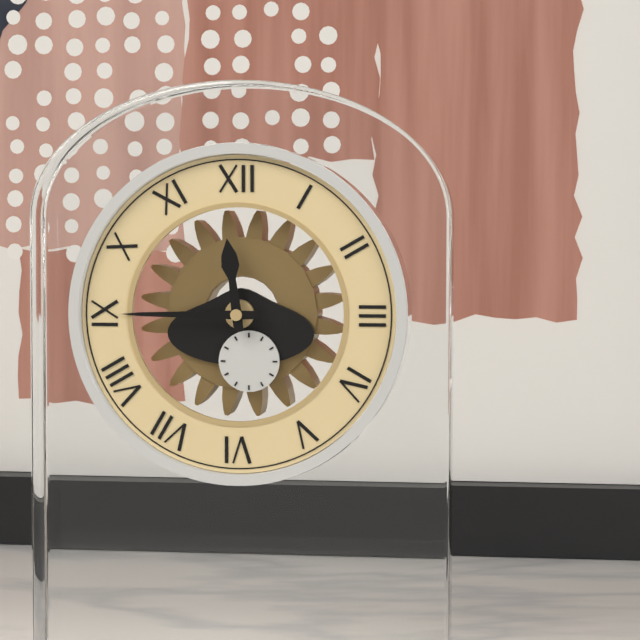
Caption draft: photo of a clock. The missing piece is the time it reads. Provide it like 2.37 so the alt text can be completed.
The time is 11.45
